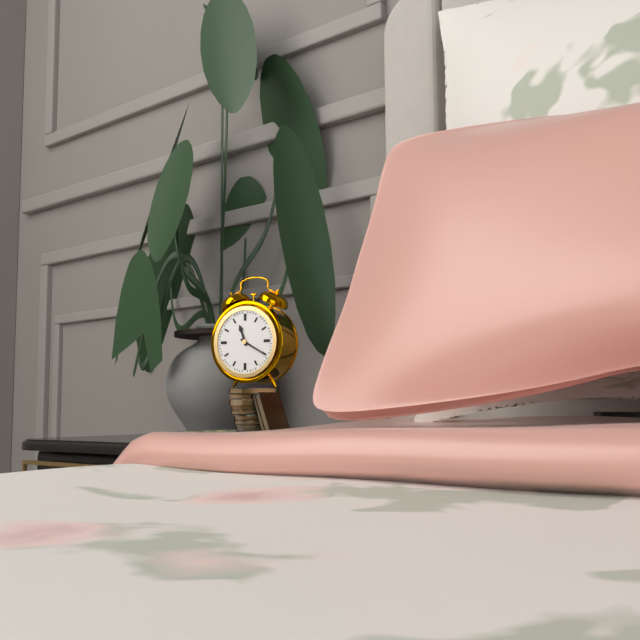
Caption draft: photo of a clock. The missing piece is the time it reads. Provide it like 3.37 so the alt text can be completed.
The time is 11.20
